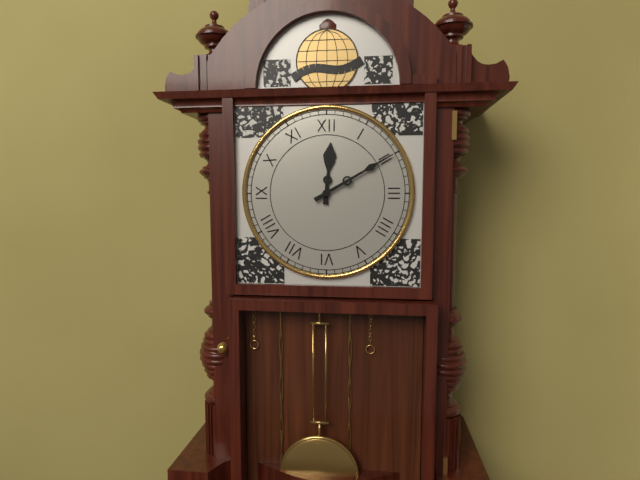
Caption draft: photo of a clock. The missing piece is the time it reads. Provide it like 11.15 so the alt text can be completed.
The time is 12.10
